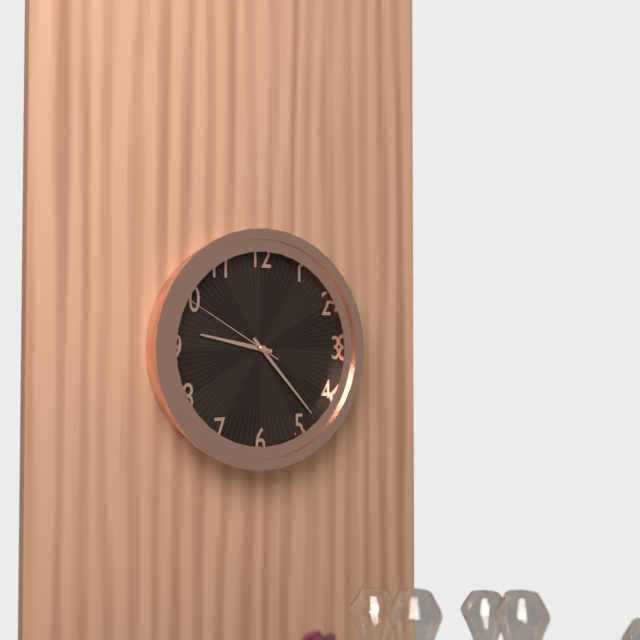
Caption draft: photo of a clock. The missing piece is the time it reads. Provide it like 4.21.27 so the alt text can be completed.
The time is 9.23.50
